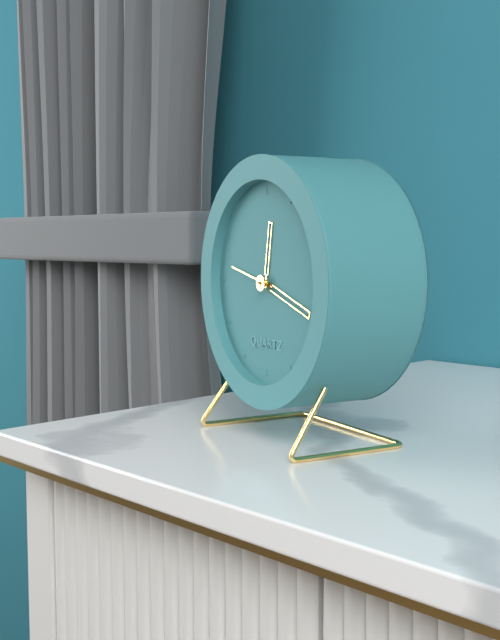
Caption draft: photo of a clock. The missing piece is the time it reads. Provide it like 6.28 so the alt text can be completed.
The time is 12.18
